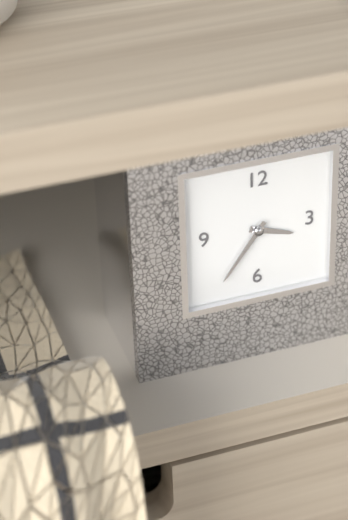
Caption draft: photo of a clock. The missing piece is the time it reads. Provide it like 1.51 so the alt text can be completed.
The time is 3.36
